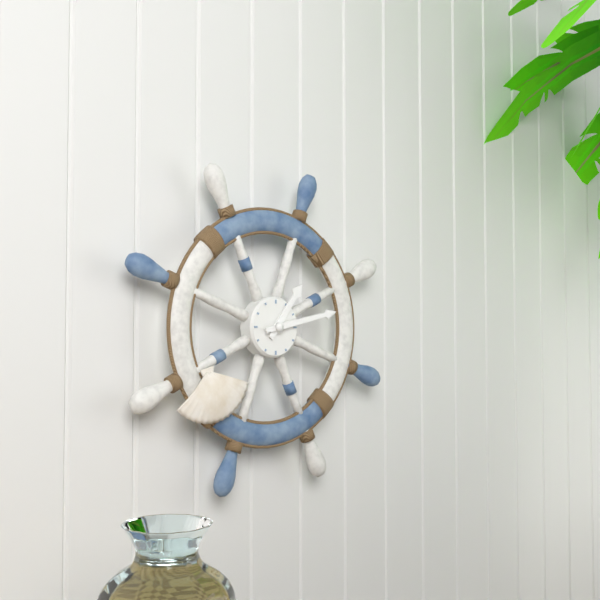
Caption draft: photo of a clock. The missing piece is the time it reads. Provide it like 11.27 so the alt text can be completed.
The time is 1.13
